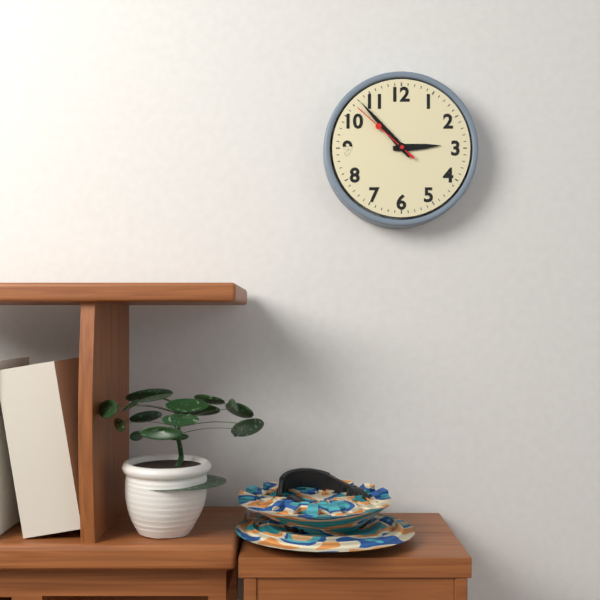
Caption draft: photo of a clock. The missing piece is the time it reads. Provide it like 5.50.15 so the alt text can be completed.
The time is 2.53.52
